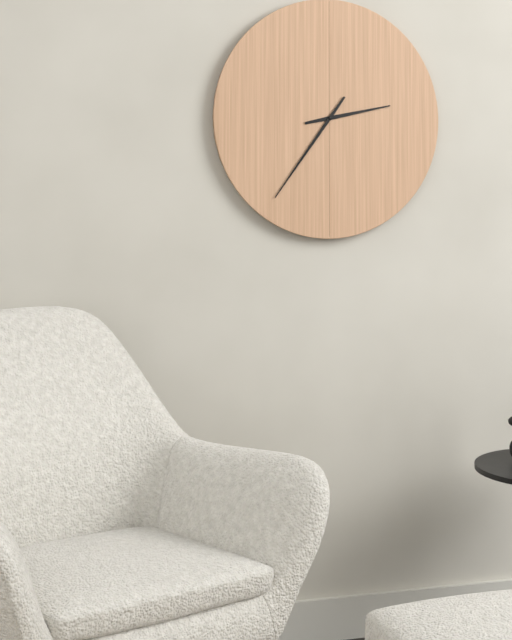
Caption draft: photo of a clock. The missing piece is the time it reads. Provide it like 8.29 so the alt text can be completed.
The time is 2.36
